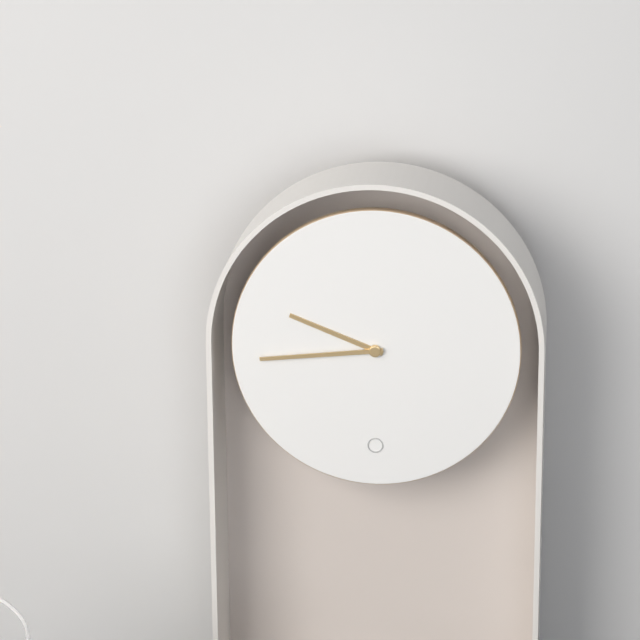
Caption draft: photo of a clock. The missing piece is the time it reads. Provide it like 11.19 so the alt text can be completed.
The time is 9.44
